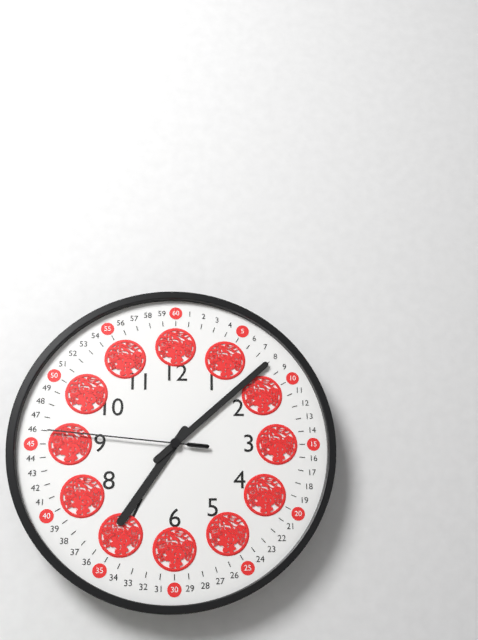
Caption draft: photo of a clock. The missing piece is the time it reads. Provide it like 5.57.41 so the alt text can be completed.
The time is 7.08.46
